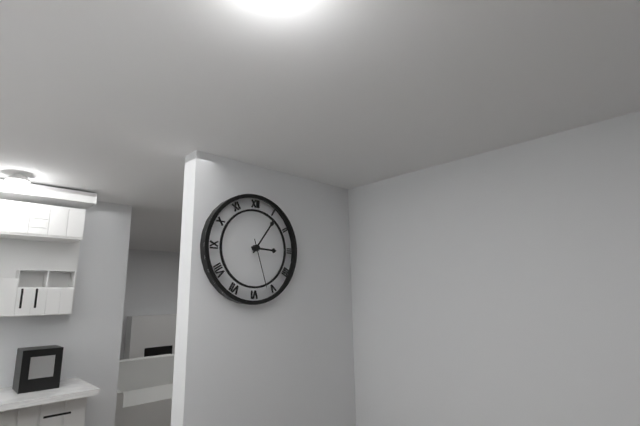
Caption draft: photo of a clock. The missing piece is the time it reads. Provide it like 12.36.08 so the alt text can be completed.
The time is 3.06.27
